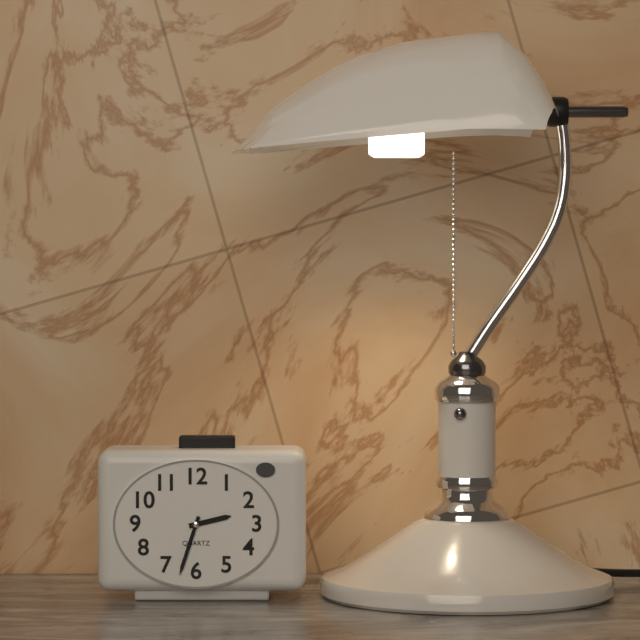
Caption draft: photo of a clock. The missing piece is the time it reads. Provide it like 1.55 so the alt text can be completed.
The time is 2.33
